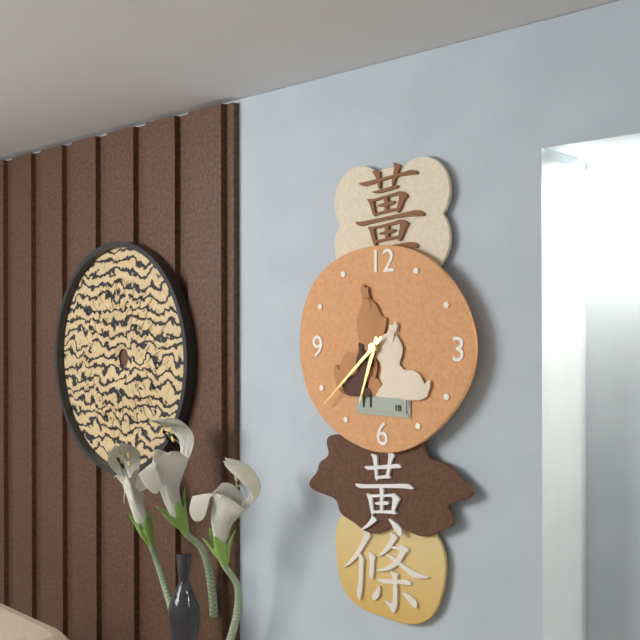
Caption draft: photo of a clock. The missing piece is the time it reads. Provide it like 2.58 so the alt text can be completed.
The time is 6.38
